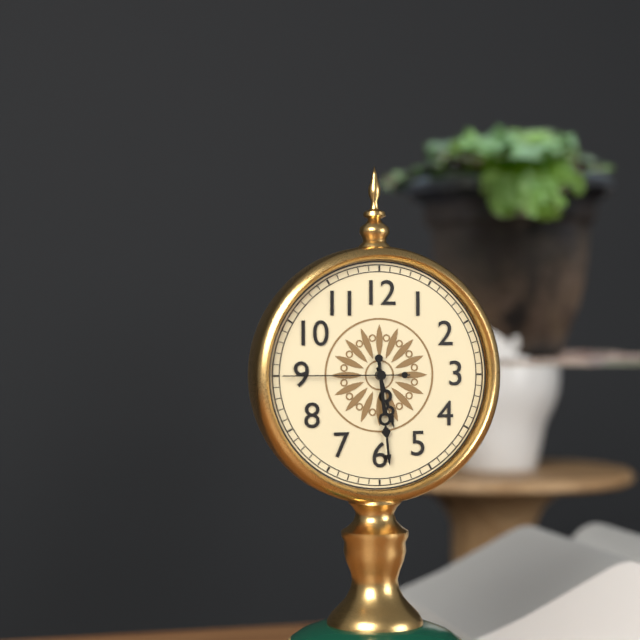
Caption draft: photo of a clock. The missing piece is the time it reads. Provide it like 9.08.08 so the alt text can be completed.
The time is 5.29.45
